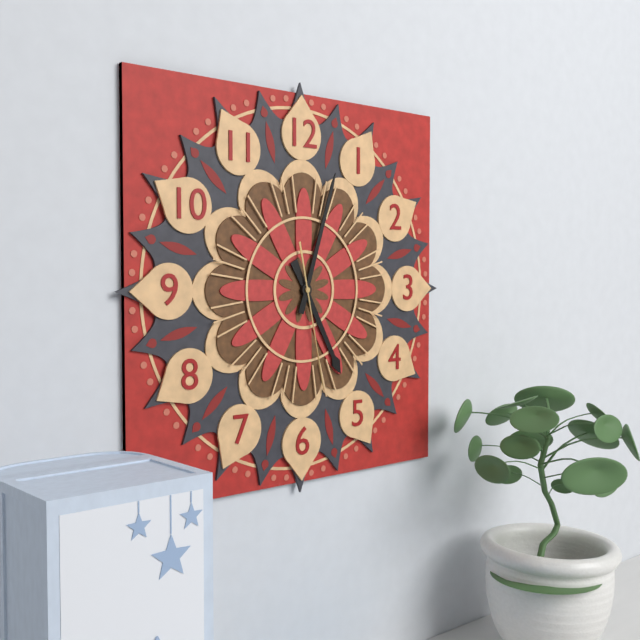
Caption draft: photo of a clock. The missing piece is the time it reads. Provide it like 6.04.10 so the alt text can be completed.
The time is 5.03.28
